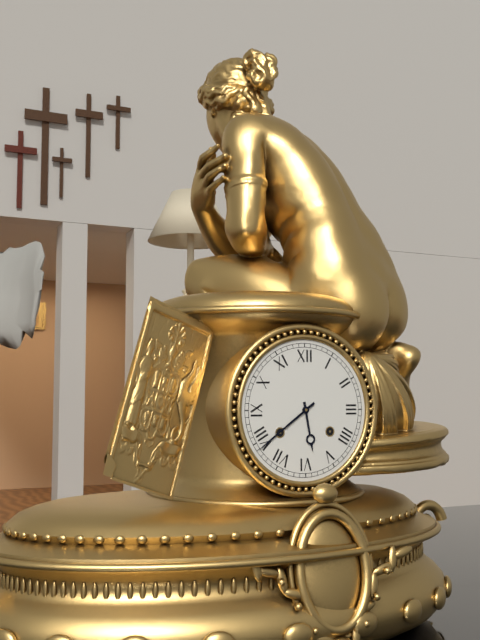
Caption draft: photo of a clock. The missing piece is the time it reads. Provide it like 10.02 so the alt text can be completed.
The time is 5.39
